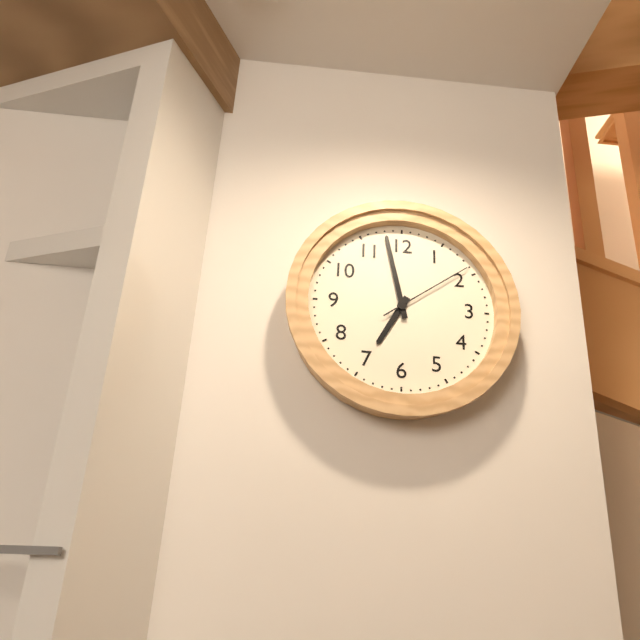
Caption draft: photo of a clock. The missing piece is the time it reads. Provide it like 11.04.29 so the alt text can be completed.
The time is 6.58.09
